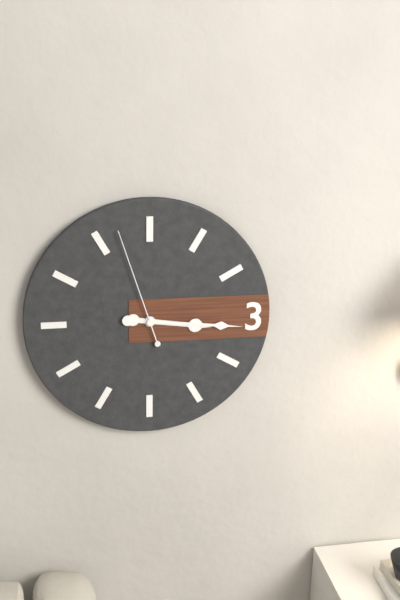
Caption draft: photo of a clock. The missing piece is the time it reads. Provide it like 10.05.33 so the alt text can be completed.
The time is 3.16.57
